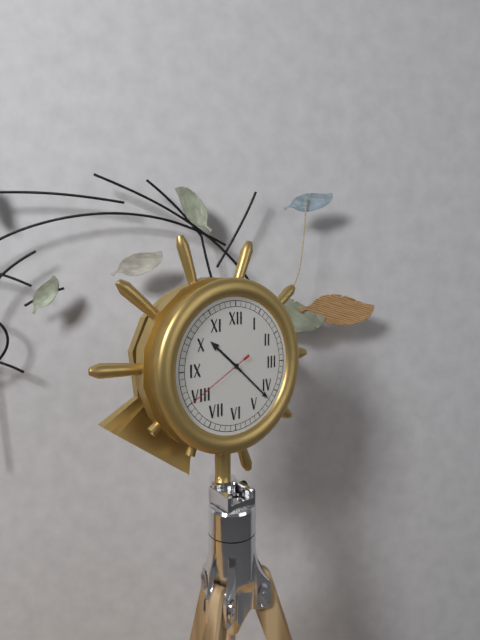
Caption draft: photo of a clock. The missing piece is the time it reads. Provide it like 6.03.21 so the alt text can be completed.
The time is 10.22.40
